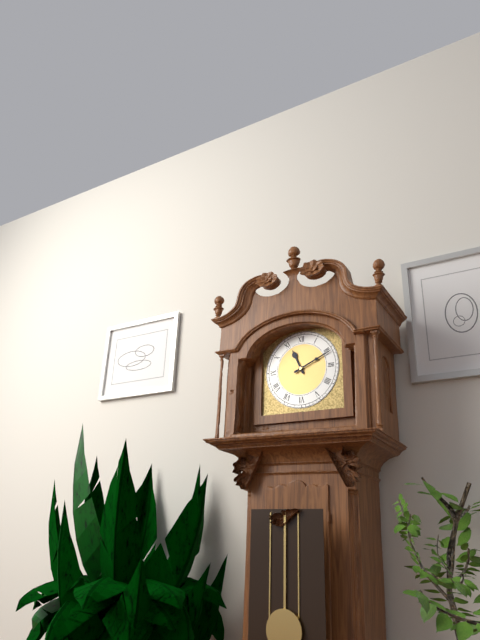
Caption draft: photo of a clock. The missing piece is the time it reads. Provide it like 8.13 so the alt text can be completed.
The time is 11.11
